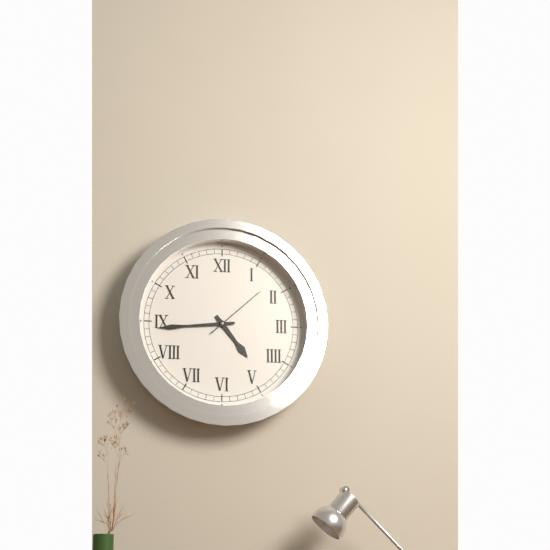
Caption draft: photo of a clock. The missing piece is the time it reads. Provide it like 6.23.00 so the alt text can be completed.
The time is 4.44.08
